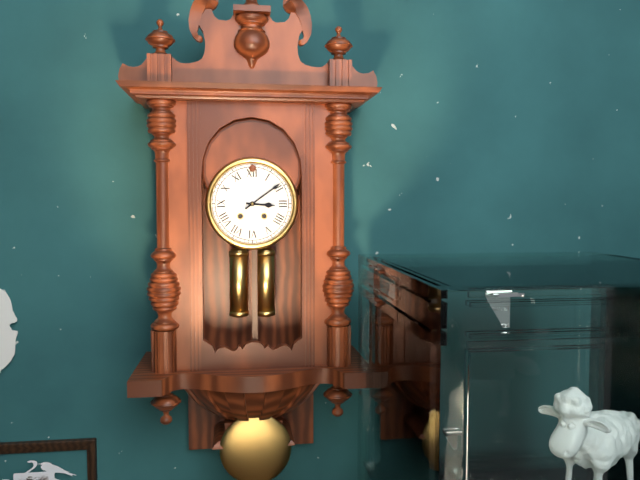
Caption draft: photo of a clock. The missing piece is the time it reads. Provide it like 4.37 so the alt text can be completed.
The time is 3.09
